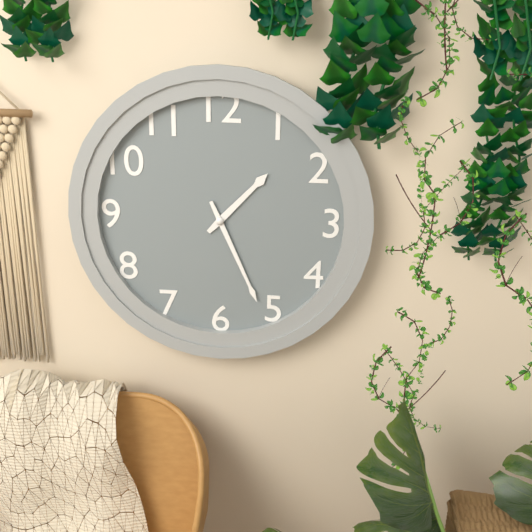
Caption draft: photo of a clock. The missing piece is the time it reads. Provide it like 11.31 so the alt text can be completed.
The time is 1.26
